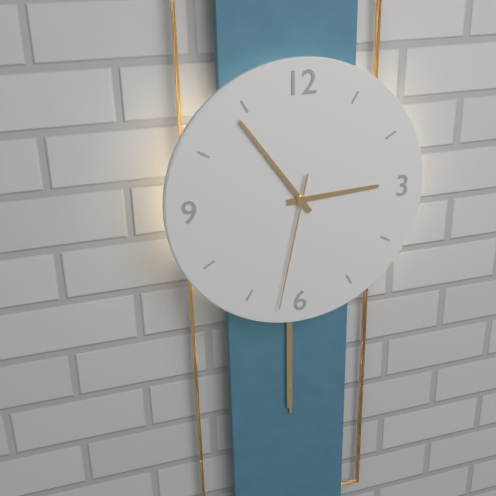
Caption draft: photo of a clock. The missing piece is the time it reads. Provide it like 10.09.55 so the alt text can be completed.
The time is 2.54.32
